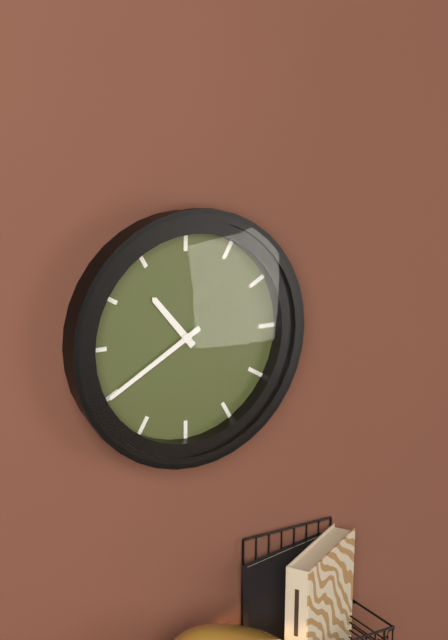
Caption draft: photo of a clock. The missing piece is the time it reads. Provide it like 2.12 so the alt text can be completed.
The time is 10.40
